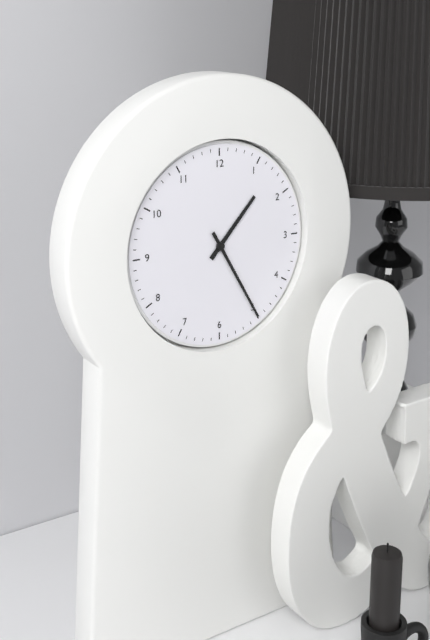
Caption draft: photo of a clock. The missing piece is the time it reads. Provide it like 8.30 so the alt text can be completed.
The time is 1.25
